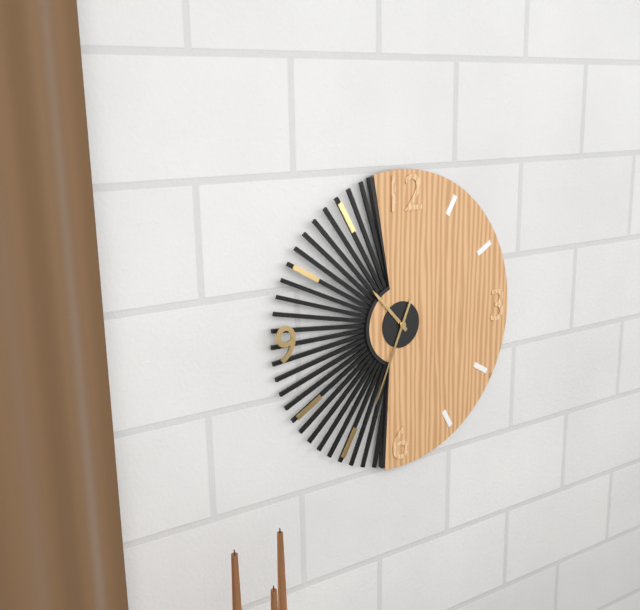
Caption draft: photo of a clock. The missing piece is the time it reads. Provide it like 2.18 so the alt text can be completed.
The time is 10.34
